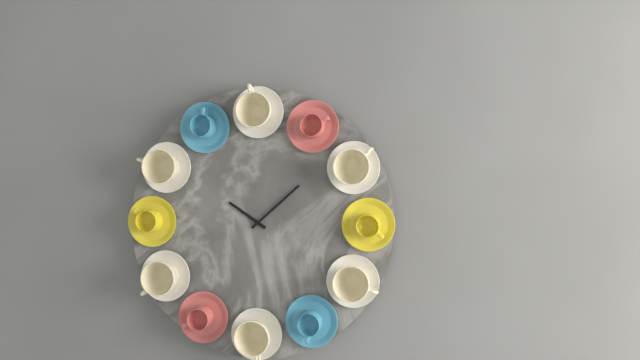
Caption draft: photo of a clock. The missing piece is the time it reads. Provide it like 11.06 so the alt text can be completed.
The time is 10.08
